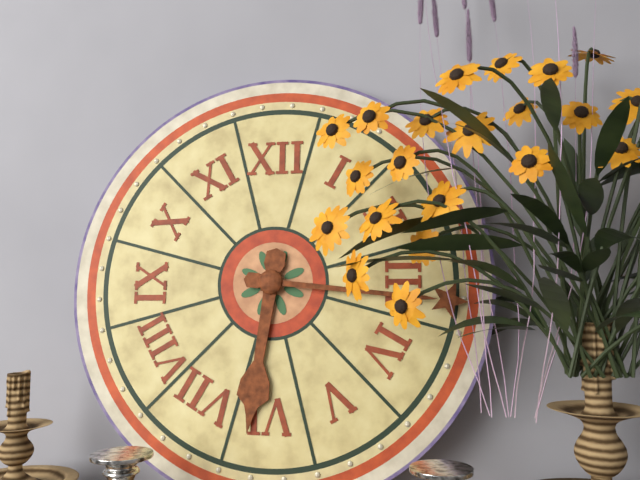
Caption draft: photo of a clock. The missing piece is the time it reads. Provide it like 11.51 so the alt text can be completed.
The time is 6.16
